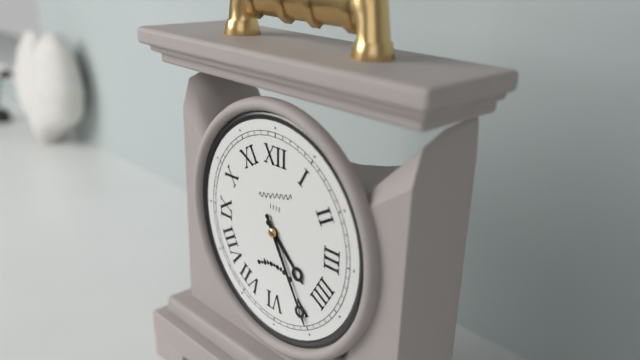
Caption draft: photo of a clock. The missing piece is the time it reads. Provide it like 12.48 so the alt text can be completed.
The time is 4.25
